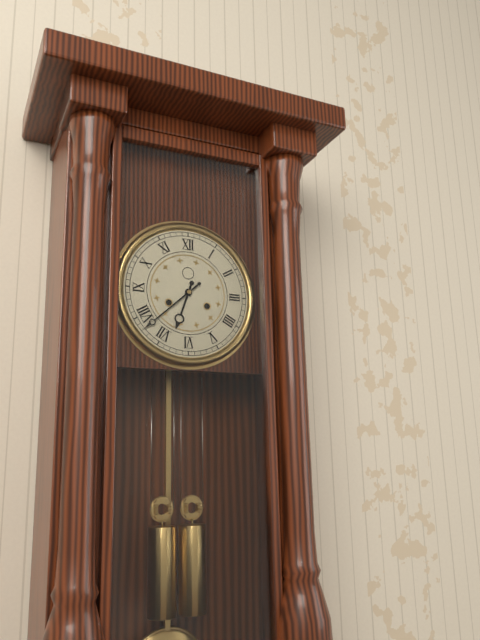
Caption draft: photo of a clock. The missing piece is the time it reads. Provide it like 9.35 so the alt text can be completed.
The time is 6.38
